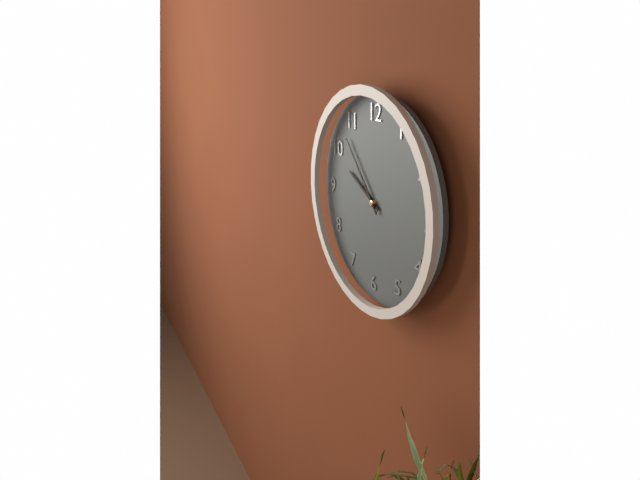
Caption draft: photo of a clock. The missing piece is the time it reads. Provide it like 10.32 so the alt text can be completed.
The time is 9.53
